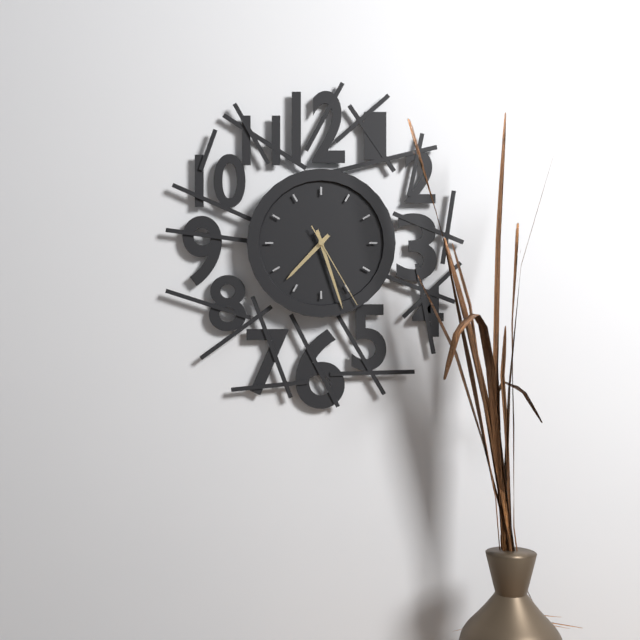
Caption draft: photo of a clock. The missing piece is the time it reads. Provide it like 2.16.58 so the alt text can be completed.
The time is 7.27.25
